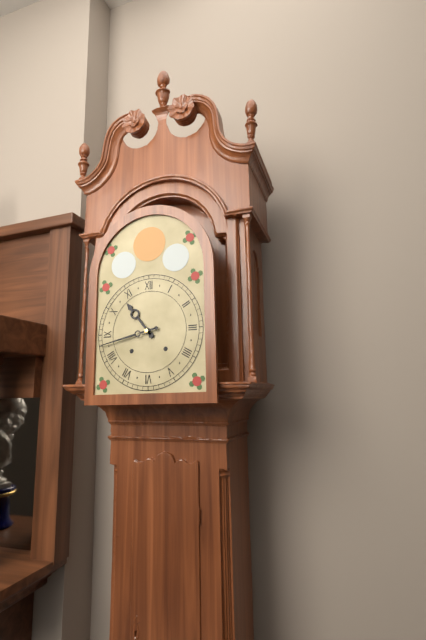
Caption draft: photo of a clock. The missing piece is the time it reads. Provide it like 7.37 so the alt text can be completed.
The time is 10.43
